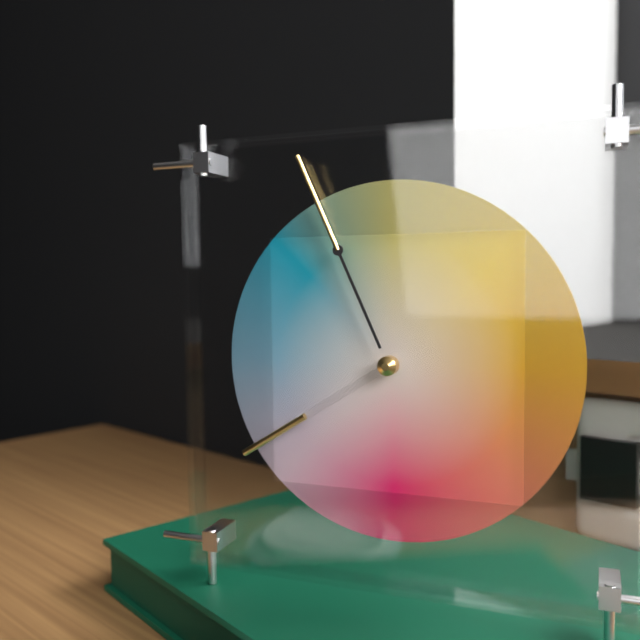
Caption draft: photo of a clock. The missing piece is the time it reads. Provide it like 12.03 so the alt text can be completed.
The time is 7.56
